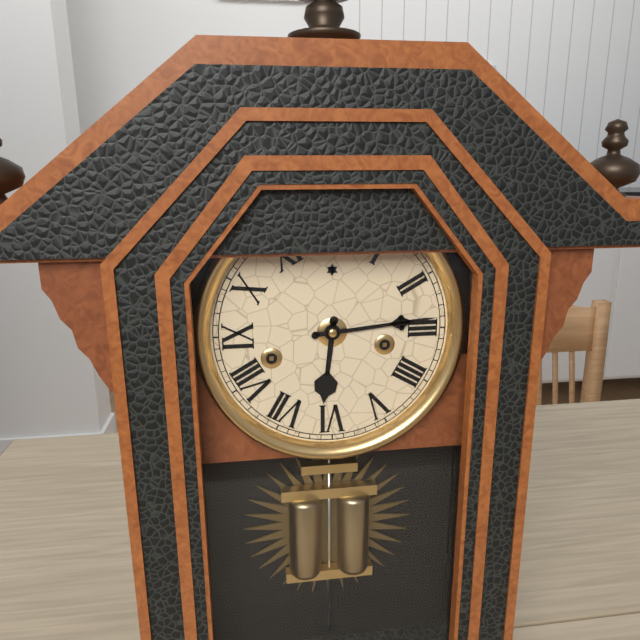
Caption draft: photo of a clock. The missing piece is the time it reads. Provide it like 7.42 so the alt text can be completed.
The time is 6.14
